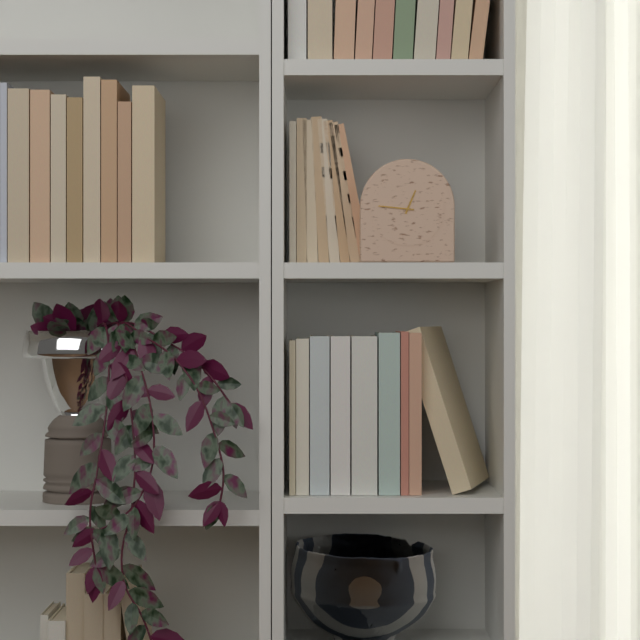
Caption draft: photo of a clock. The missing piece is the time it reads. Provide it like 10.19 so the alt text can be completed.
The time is 12.46
